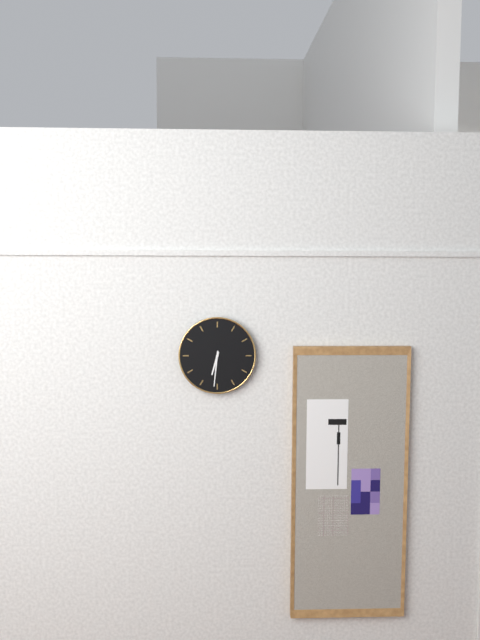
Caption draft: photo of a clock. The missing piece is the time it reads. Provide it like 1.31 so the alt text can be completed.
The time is 6.31
